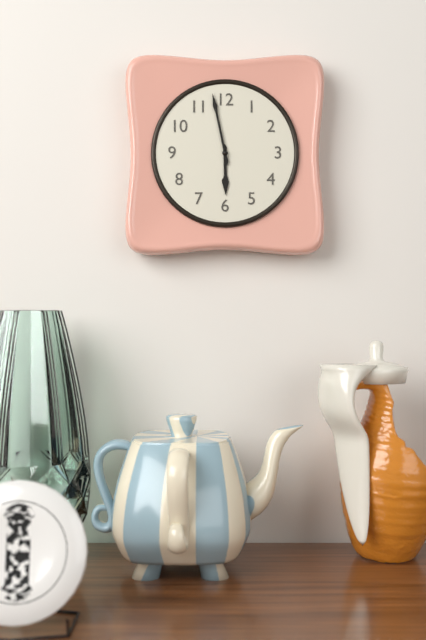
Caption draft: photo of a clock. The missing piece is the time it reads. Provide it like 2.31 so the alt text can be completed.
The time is 5.58
